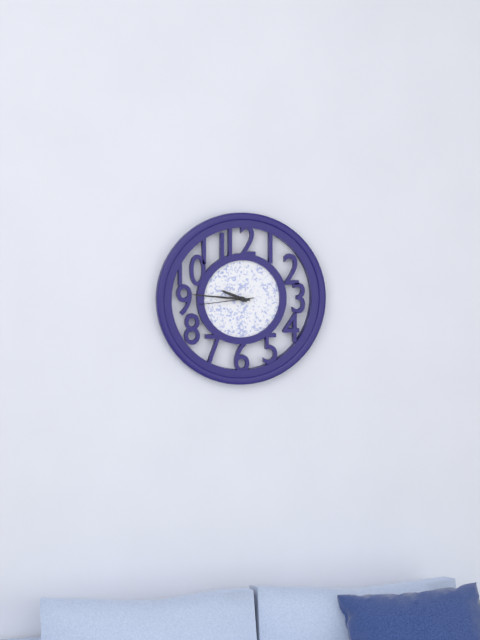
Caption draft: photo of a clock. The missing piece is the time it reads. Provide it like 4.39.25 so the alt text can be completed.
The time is 9.46.44
